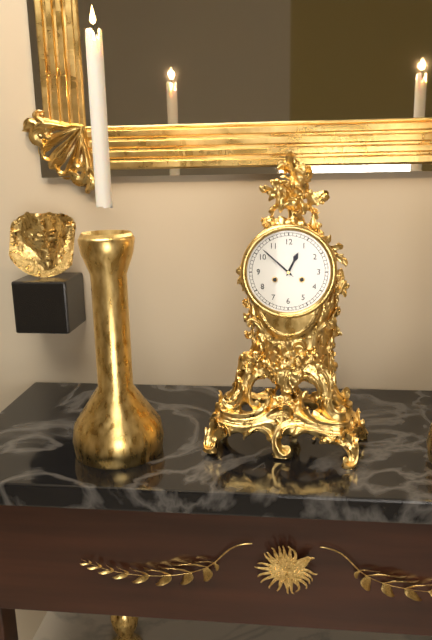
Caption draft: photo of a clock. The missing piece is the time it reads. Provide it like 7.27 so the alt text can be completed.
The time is 12.52
